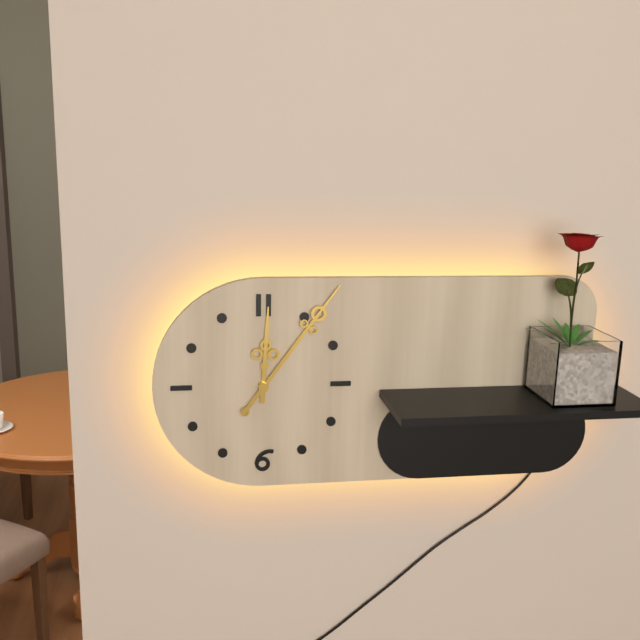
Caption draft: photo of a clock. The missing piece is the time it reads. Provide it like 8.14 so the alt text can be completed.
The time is 12.06
